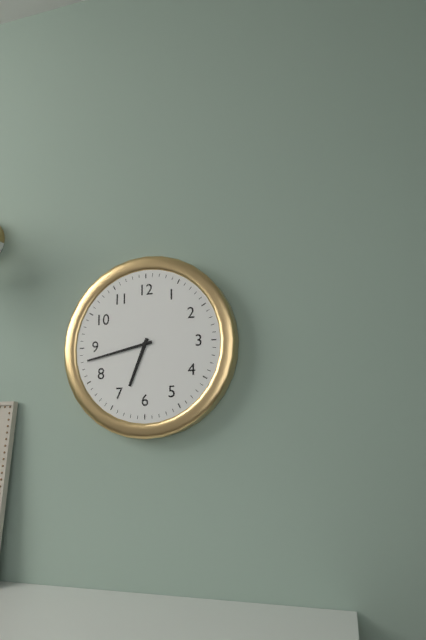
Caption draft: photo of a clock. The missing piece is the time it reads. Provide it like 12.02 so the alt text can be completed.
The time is 6.43
